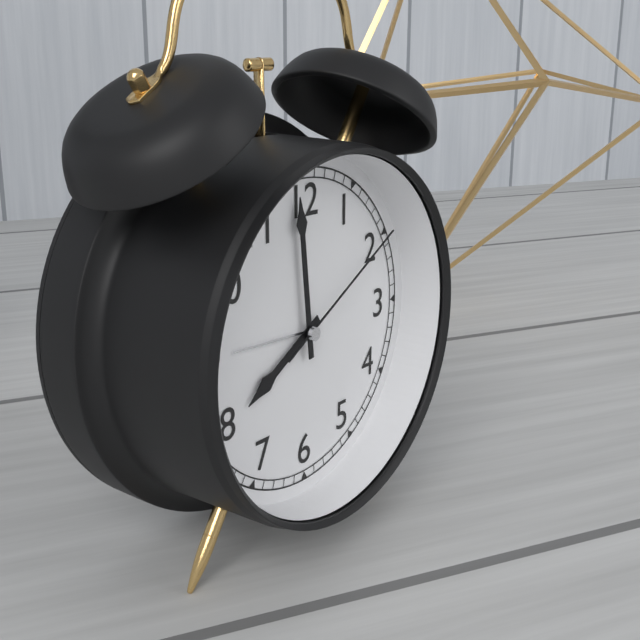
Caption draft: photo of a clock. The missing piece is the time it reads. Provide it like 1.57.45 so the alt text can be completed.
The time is 7.59.10
